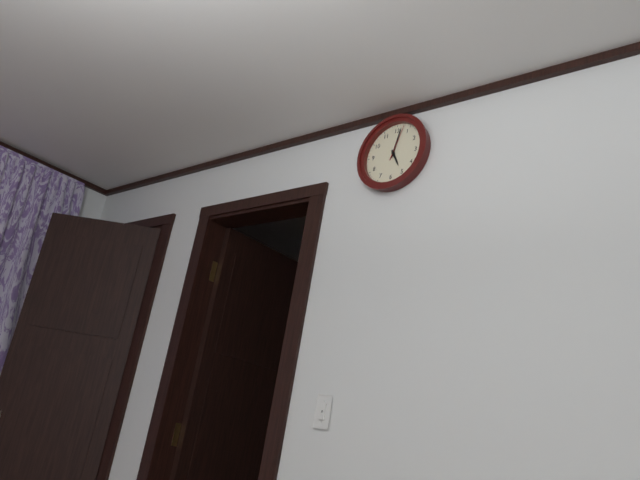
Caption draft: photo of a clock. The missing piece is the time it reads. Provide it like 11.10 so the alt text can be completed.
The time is 5.02
